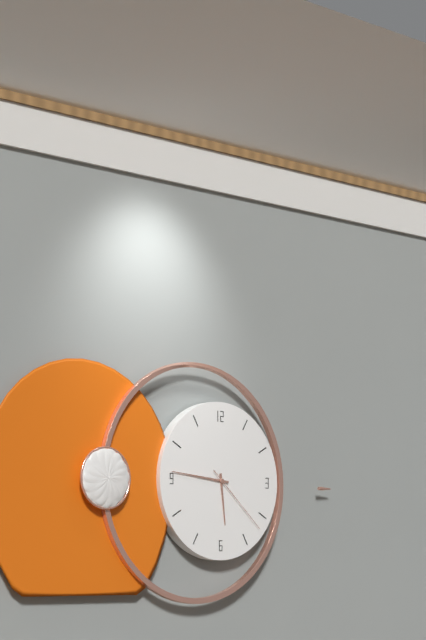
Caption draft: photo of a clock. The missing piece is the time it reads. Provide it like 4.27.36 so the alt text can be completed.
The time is 5.46.22
